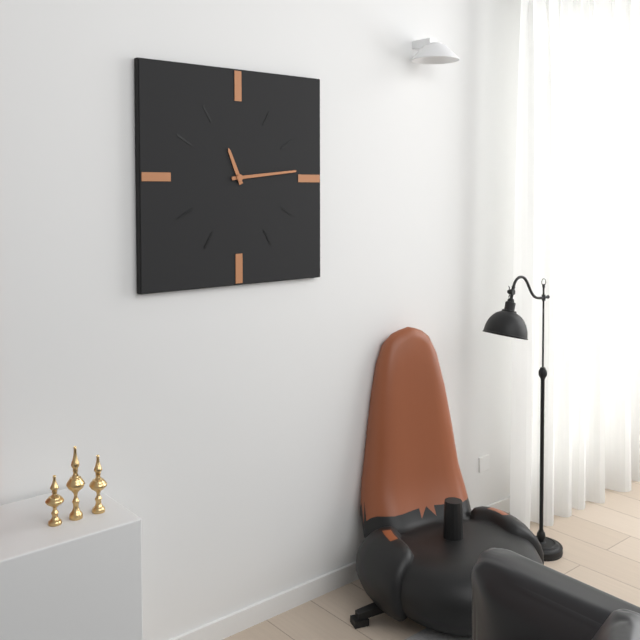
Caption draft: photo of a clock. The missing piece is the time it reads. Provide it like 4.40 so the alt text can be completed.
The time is 11.14
